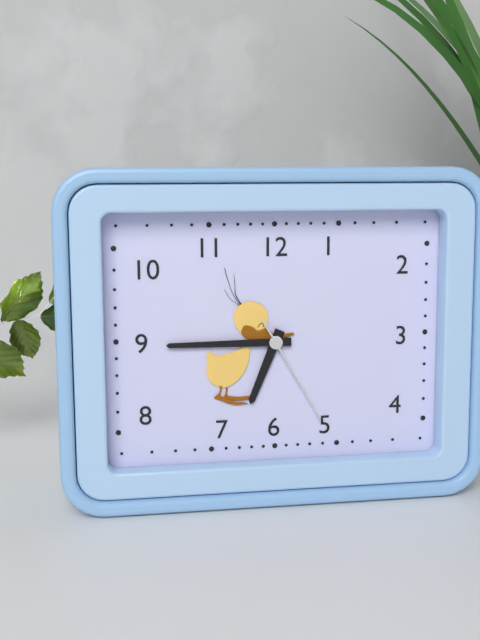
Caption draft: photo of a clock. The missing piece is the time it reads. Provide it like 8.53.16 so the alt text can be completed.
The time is 6.45.25
